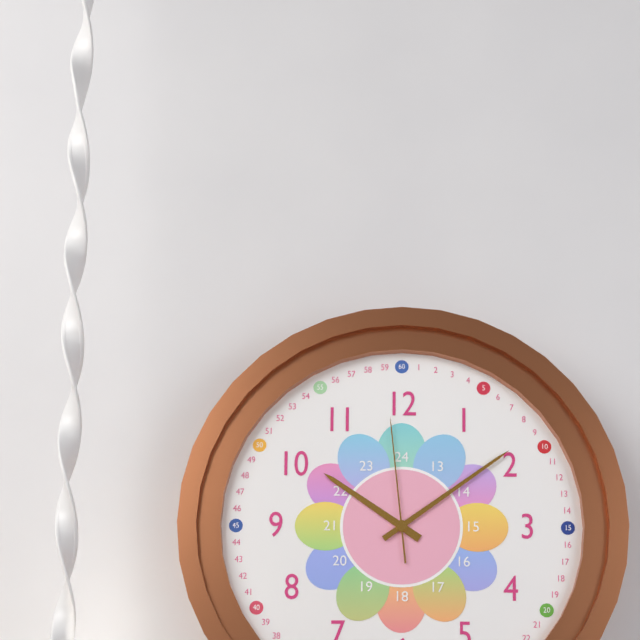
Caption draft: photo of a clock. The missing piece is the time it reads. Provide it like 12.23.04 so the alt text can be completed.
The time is 10.09.59
